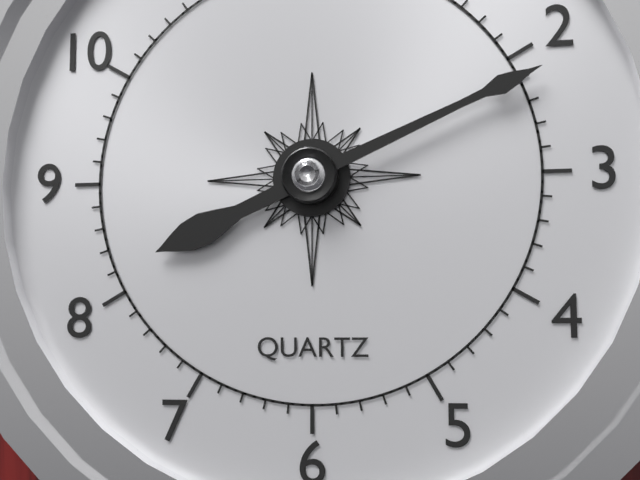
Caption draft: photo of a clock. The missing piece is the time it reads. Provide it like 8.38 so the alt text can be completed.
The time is 8.11
